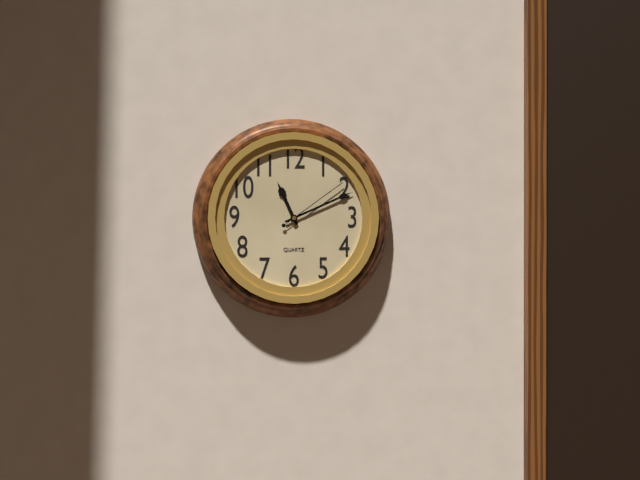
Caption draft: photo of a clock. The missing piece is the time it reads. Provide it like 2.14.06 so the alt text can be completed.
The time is 11.11.09
